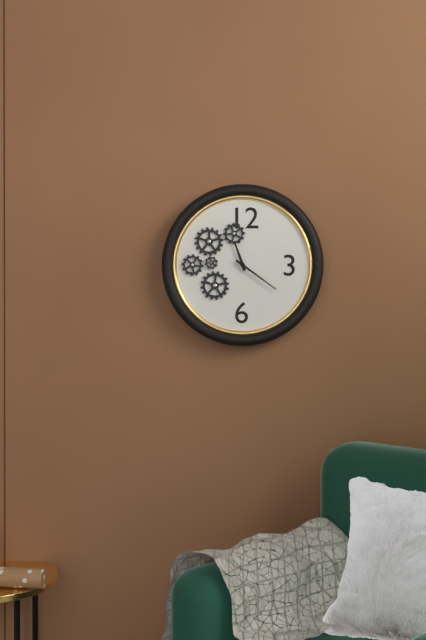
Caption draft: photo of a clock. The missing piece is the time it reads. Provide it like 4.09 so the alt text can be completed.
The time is 11.21
